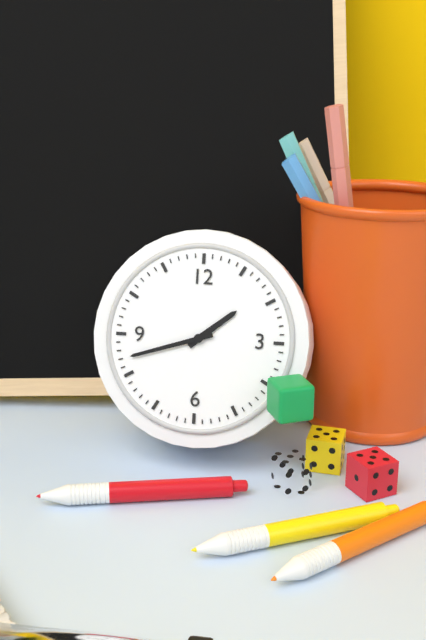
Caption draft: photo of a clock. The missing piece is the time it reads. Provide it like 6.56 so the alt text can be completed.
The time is 1.42
